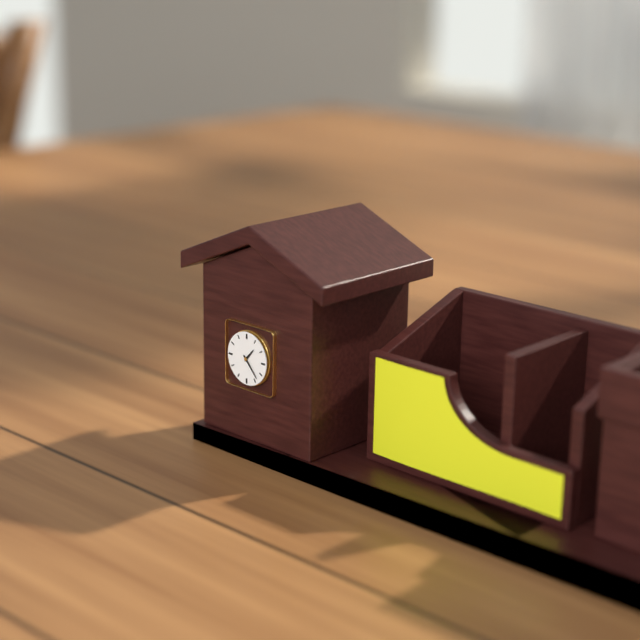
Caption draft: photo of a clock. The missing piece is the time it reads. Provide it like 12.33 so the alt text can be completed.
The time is 1.23
